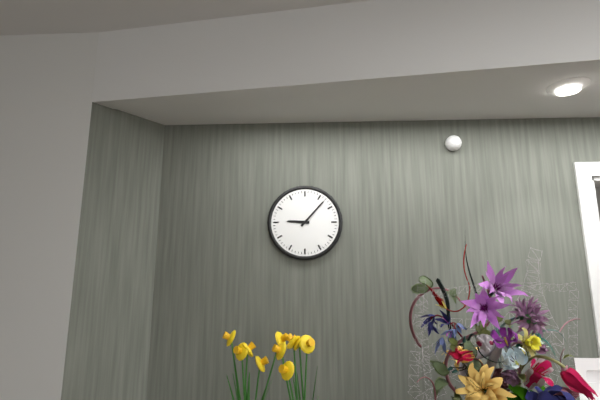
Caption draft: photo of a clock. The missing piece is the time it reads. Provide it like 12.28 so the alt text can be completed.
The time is 9.07
